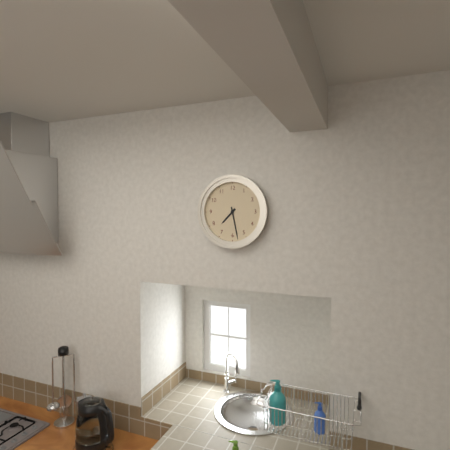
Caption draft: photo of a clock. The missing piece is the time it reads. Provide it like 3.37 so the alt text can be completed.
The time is 7.28
